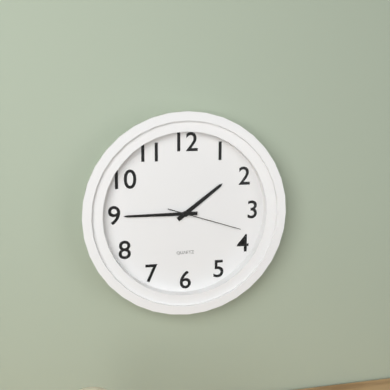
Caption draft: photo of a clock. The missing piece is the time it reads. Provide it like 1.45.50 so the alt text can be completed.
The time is 1.45.18
